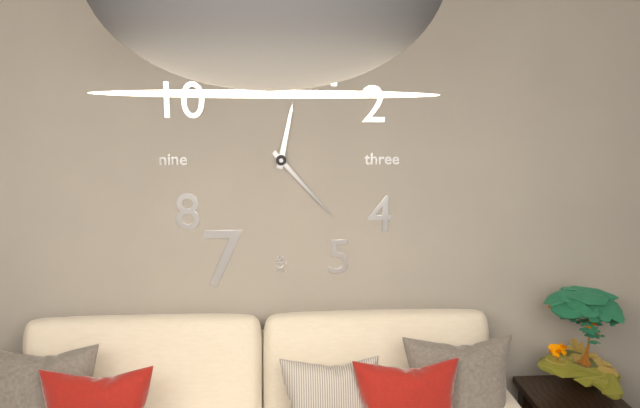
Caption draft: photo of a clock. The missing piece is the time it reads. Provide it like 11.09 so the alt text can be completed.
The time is 12.23
